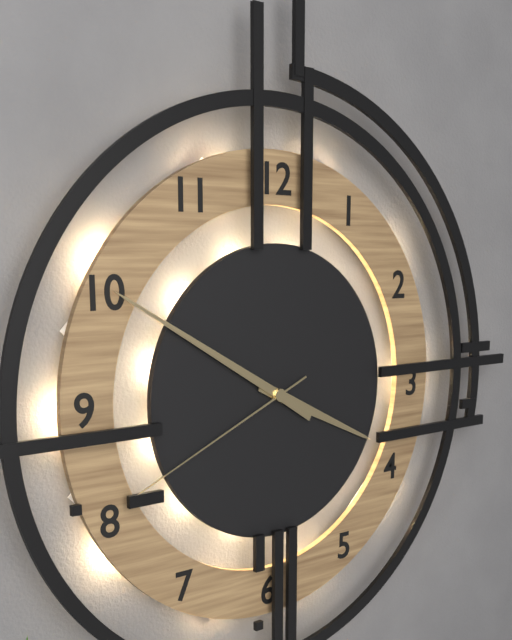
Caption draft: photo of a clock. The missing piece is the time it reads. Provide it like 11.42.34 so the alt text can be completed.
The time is 3.50.41
